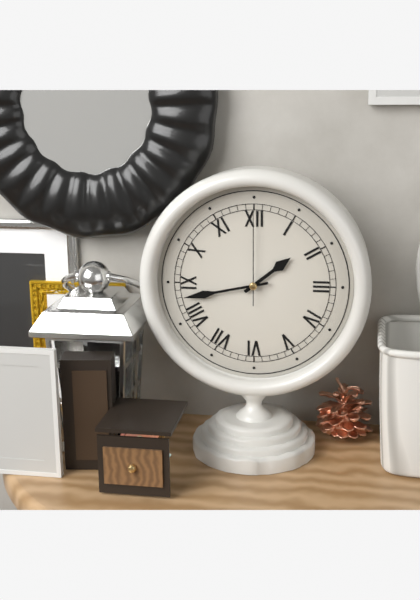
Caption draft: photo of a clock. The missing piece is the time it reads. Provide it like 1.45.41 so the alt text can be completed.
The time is 1.43.00
